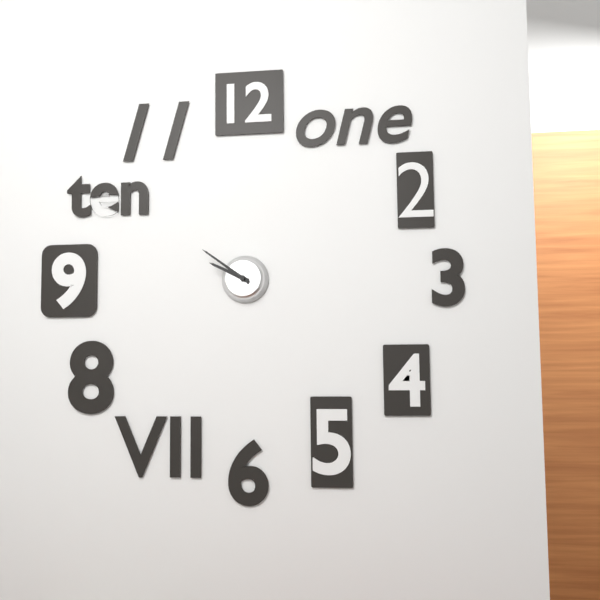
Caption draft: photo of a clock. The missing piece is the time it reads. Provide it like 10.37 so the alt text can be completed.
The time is 9.51
